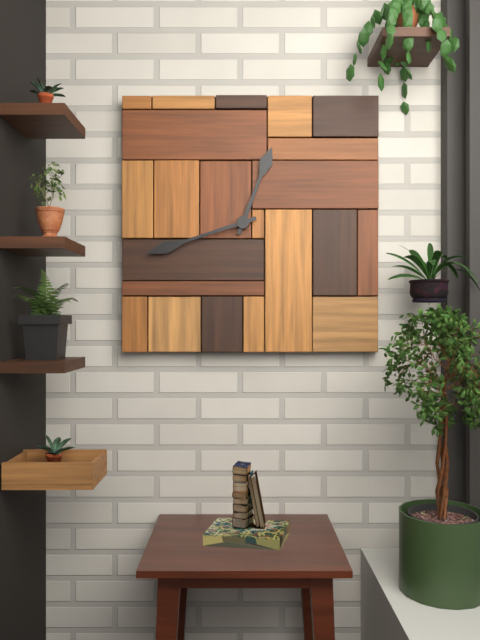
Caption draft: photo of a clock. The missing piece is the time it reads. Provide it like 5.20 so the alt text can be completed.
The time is 12.42
